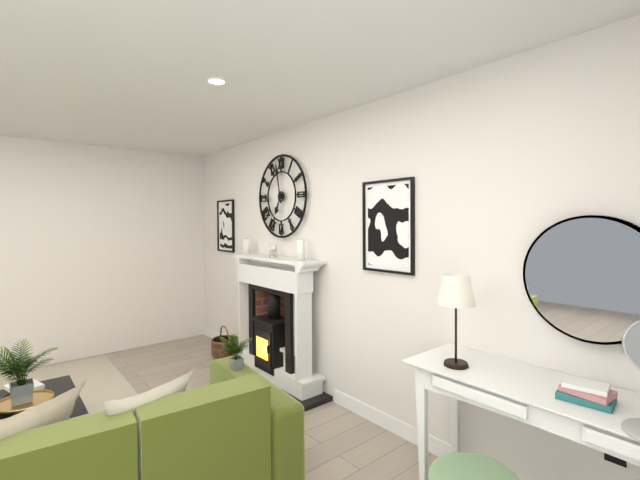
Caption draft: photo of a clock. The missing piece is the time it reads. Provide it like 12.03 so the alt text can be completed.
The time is 6.58
